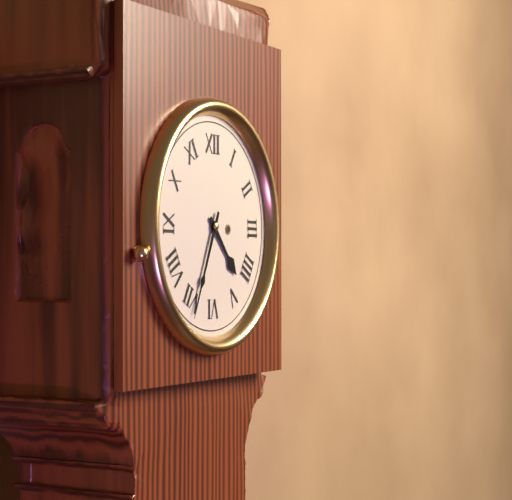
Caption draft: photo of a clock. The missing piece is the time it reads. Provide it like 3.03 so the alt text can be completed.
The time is 4.34
